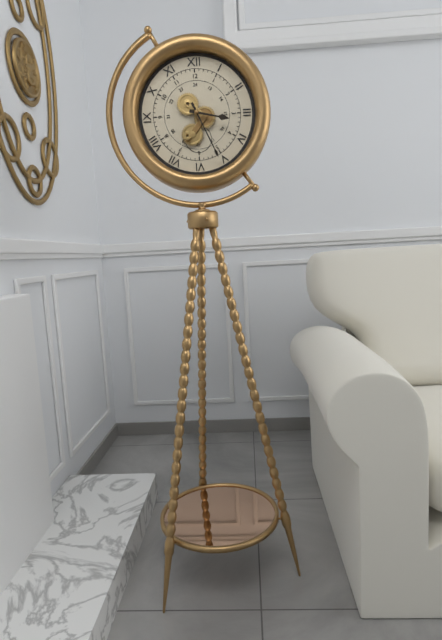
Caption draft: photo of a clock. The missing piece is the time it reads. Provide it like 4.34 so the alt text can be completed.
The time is 3.26
